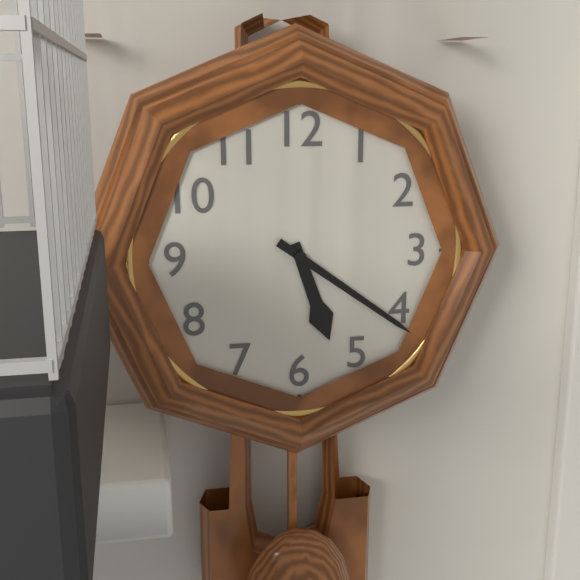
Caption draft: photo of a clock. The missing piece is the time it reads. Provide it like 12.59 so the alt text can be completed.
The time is 5.21
